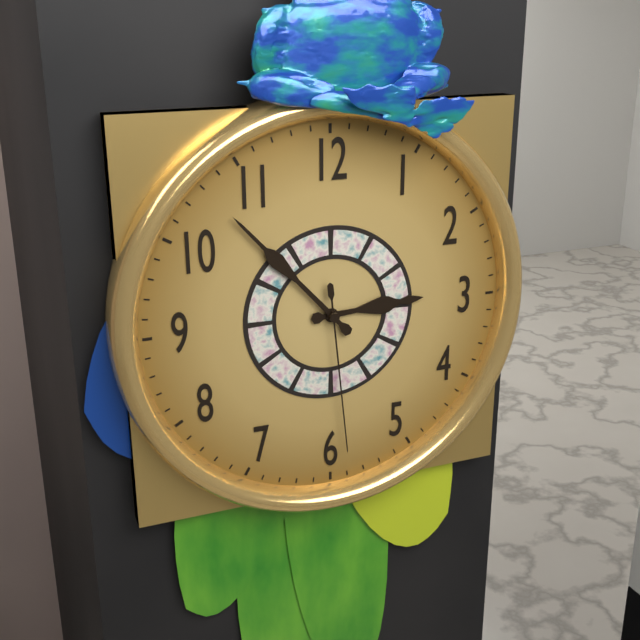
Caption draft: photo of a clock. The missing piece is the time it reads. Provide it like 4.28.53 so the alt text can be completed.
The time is 2.53.29
